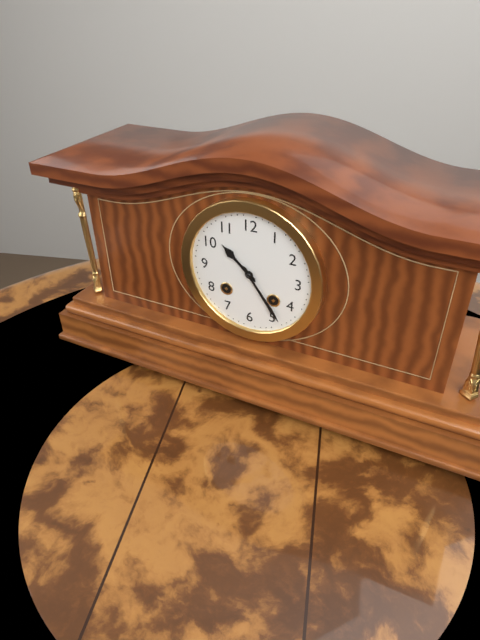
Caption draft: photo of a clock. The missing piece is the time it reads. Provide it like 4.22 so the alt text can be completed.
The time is 10.24
